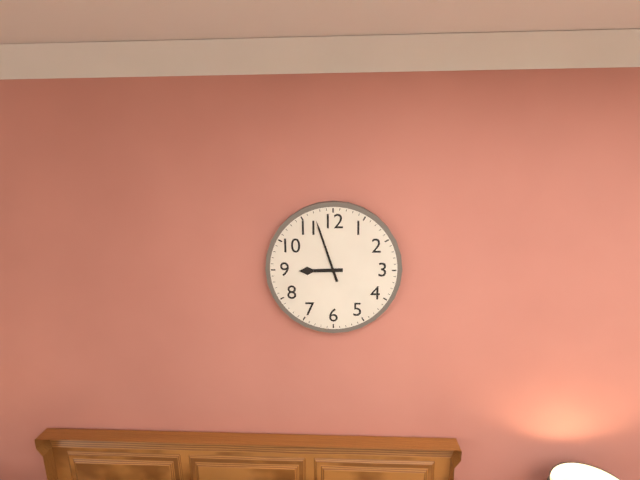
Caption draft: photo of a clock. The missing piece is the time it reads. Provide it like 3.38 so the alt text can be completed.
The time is 8.57
